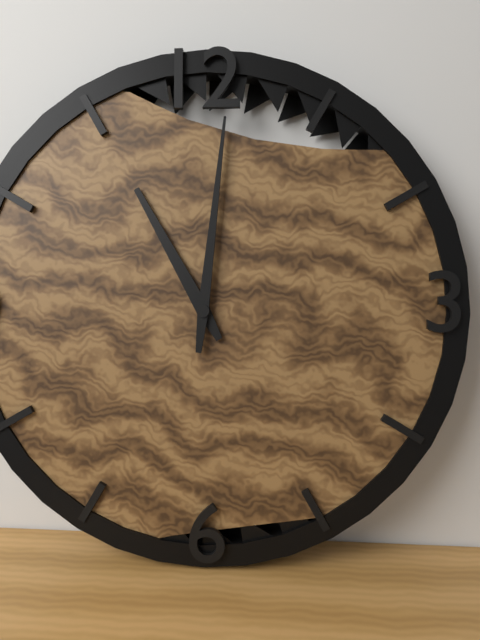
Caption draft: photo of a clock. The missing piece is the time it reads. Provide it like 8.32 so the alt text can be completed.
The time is 11.01
